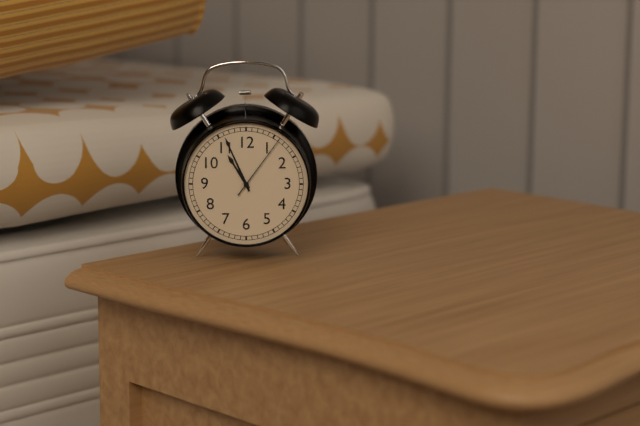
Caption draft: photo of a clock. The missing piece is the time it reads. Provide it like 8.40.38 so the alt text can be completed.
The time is 10.56.06
